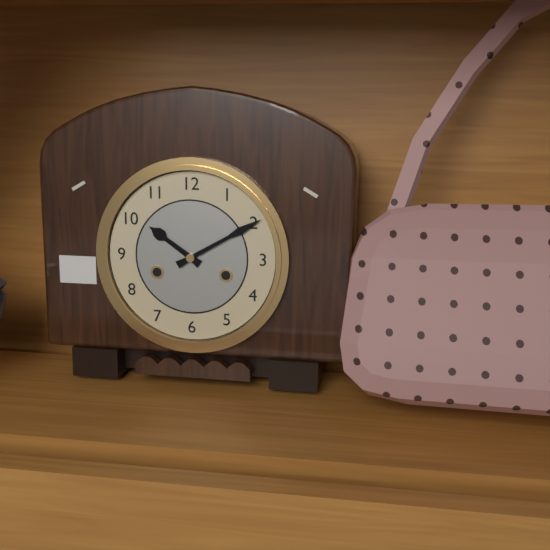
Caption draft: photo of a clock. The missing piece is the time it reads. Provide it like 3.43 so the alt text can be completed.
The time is 10.10
